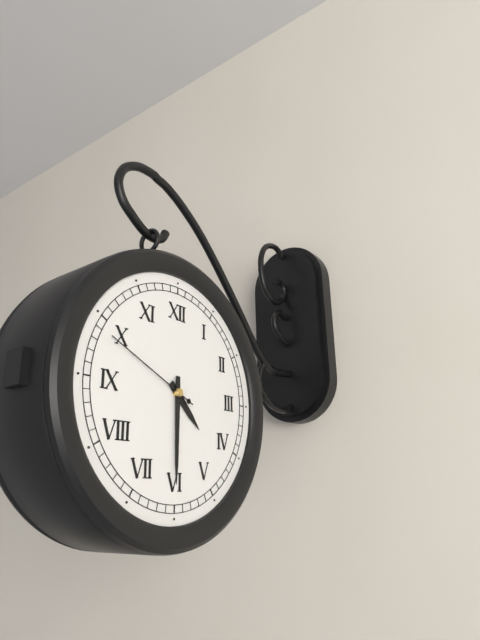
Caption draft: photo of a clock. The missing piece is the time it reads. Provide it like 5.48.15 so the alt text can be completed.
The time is 4.30.49
